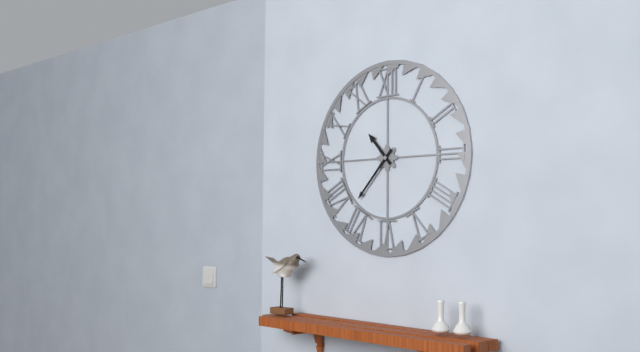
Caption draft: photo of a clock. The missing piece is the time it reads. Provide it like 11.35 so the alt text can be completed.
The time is 10.37
